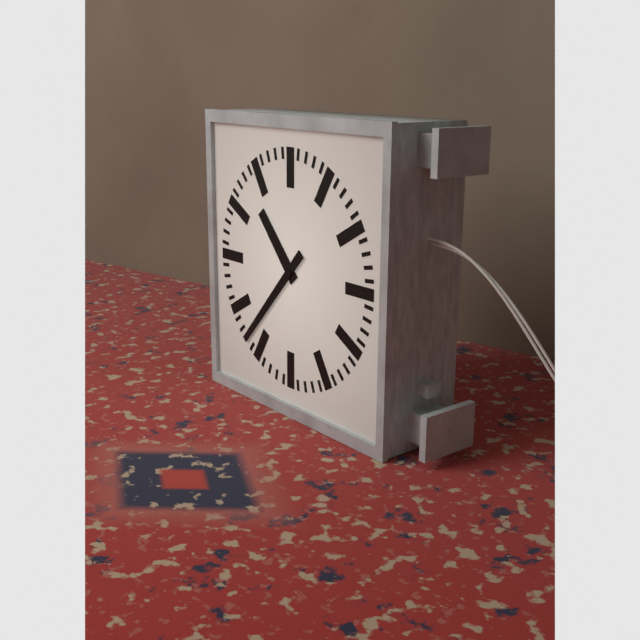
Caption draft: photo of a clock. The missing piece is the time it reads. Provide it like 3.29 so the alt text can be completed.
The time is 10.37
